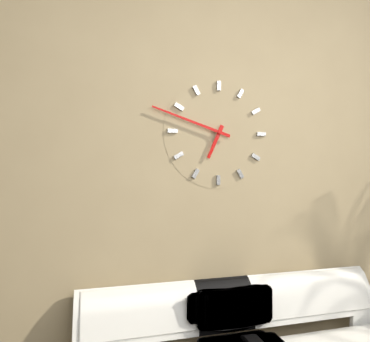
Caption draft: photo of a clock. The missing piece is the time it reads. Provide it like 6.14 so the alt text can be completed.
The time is 6.48
